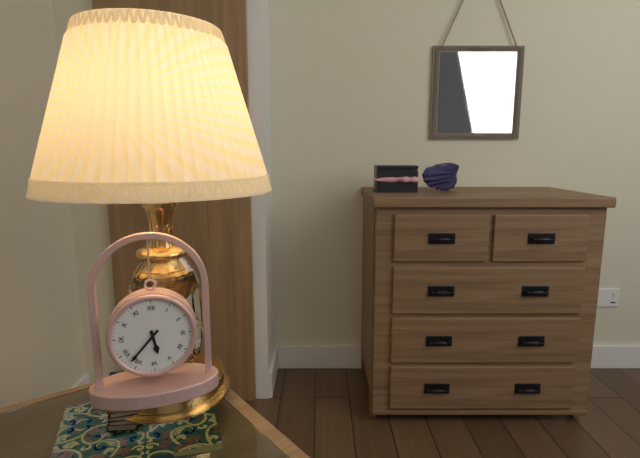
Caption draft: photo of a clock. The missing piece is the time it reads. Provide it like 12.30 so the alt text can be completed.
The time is 5.37
